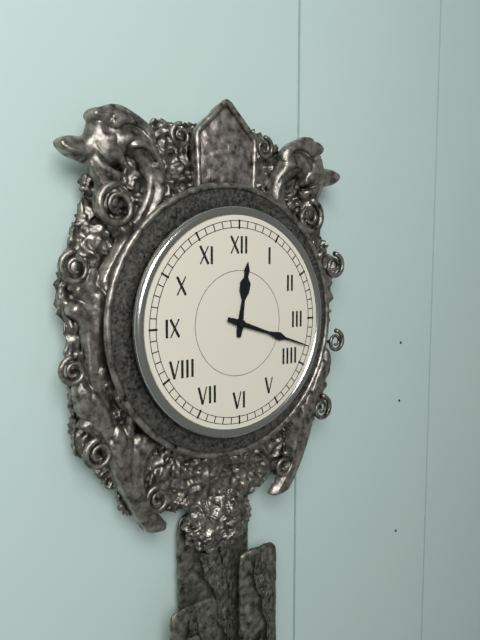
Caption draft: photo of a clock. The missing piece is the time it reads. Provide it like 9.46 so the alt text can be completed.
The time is 12.18
